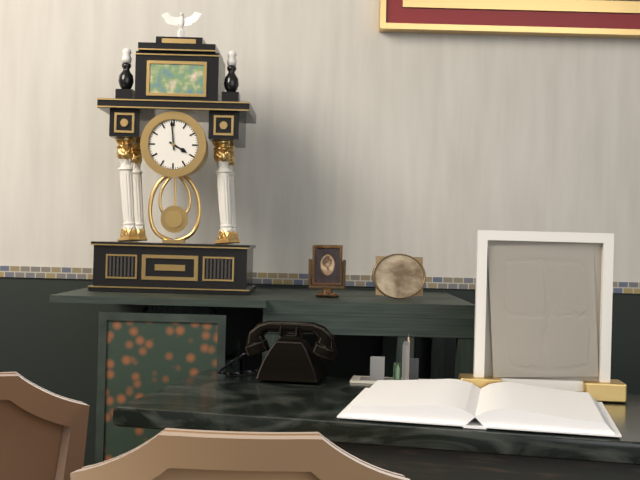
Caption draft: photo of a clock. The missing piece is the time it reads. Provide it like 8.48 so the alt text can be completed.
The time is 3.59
